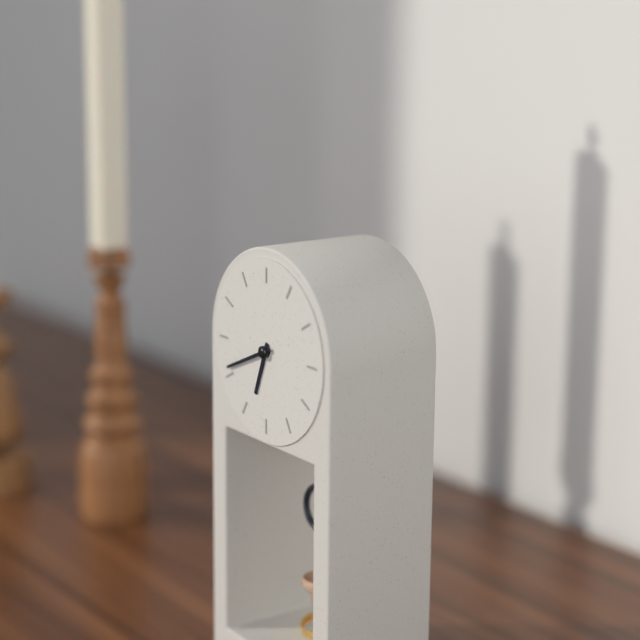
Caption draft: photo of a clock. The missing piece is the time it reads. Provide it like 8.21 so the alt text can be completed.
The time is 6.41
